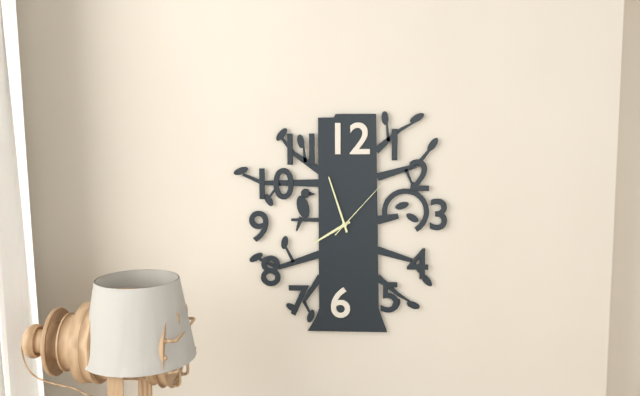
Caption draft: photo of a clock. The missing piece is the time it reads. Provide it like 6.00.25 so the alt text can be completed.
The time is 7.57.07
